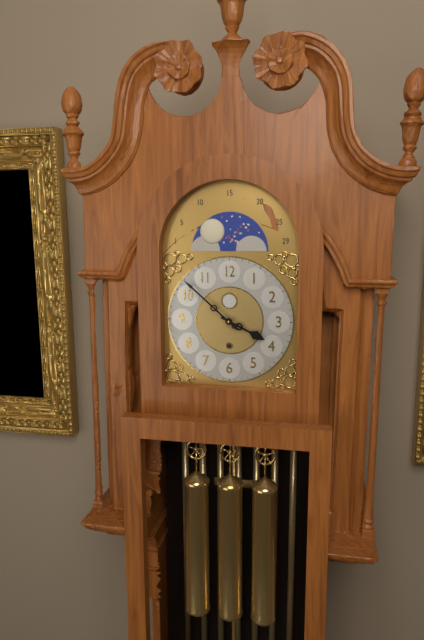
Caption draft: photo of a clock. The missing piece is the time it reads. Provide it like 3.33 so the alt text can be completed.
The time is 3.52
